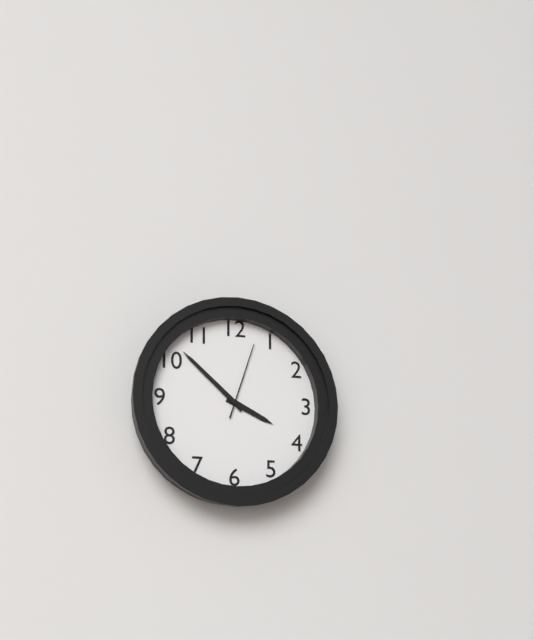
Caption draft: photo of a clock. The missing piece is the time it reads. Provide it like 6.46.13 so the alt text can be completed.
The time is 3.52.03
